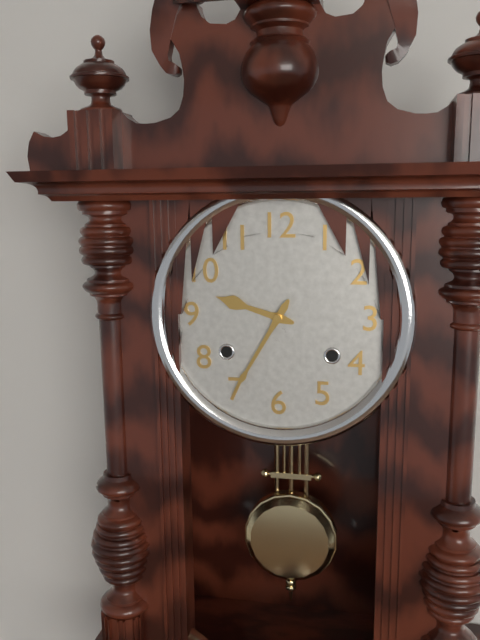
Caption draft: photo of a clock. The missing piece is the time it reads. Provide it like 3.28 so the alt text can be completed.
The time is 9.35
